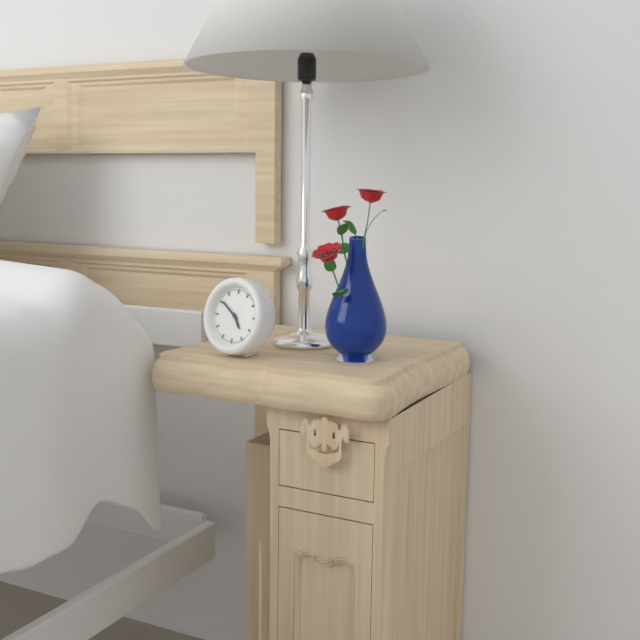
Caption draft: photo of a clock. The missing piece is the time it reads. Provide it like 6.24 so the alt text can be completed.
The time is 4.51
